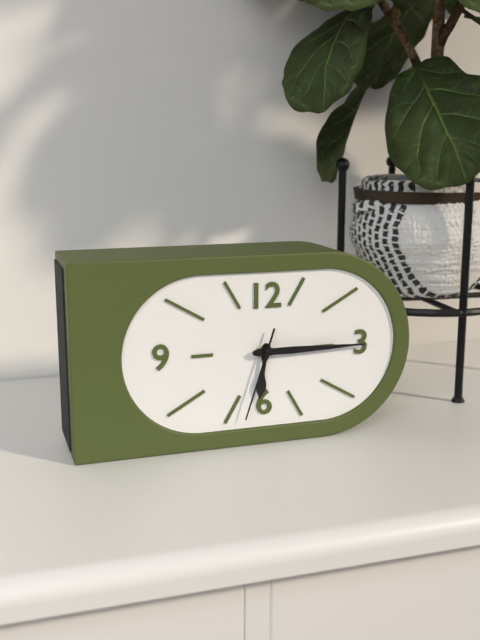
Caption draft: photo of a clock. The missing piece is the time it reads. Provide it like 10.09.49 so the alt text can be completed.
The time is 6.15.33
